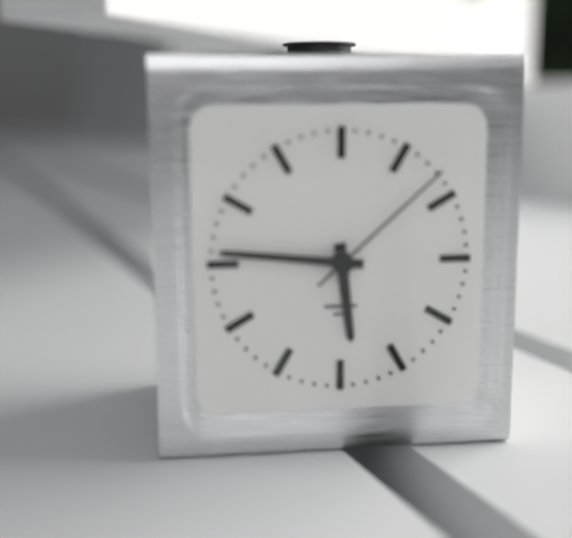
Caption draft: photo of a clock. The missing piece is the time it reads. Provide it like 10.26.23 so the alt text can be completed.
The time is 5.46.08
